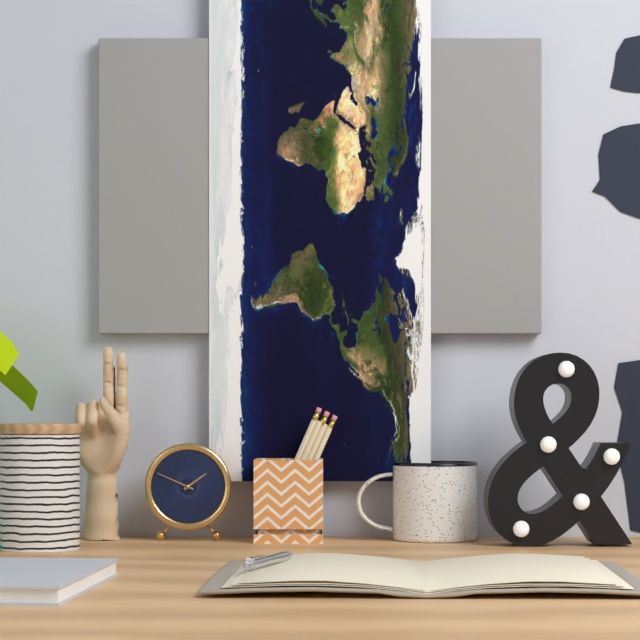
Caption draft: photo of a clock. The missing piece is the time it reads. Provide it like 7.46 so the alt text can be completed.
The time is 1.49
